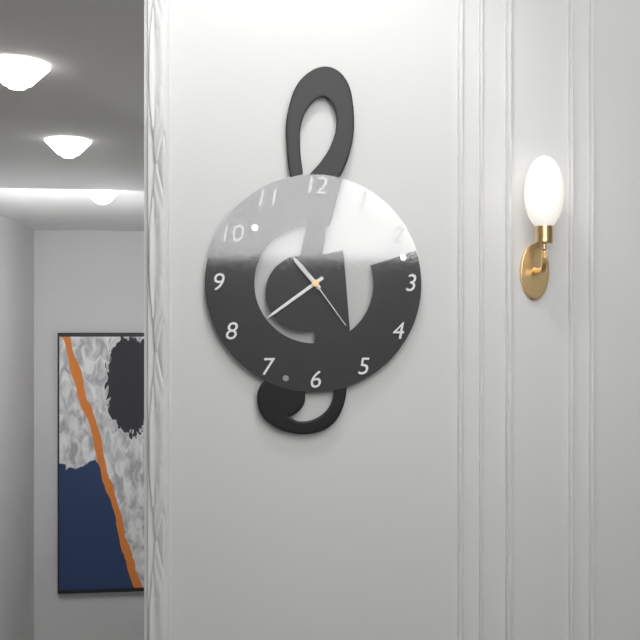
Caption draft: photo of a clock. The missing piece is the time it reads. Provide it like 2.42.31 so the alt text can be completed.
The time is 10.39.24
